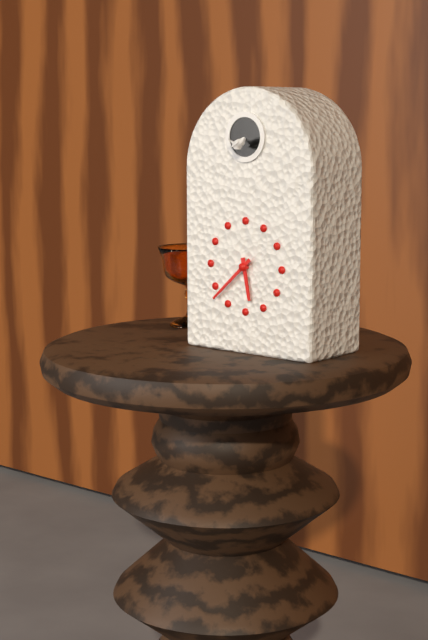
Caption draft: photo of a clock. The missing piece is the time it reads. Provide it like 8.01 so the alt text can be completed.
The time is 5.38
